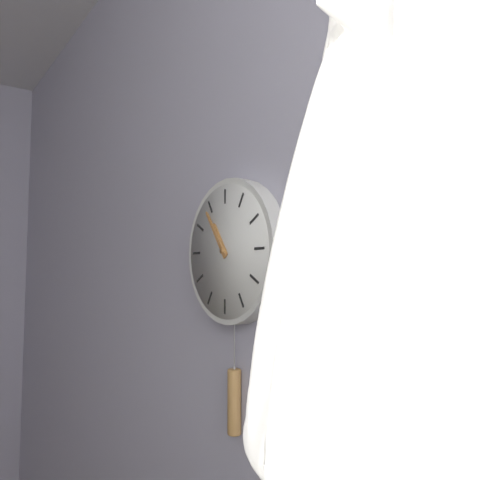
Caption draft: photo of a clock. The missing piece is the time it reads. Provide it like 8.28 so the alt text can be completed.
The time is 10.54
